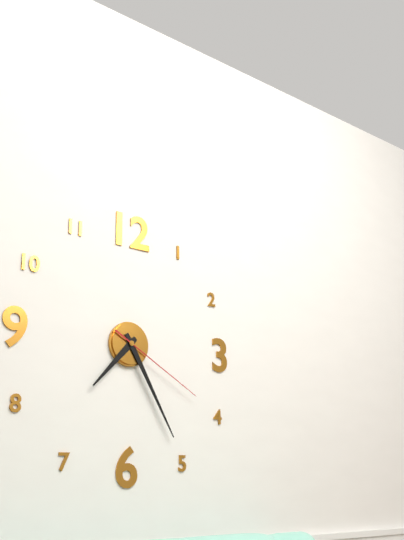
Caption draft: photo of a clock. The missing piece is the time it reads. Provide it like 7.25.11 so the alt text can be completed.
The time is 7.25.20
